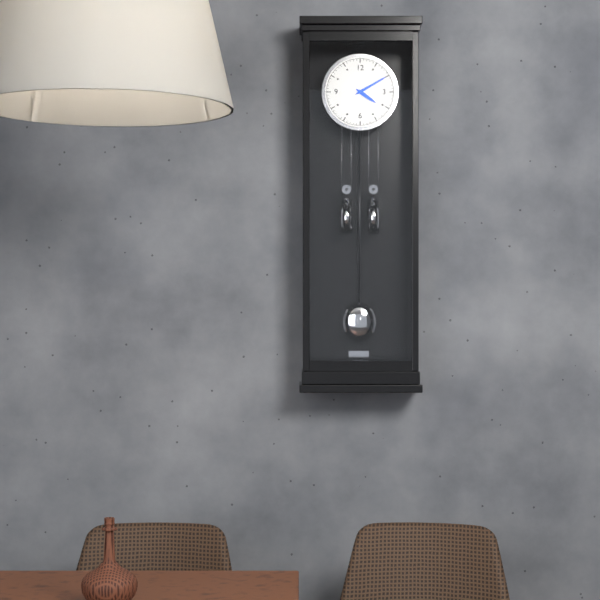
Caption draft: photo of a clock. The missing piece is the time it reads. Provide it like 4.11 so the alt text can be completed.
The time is 4.10
